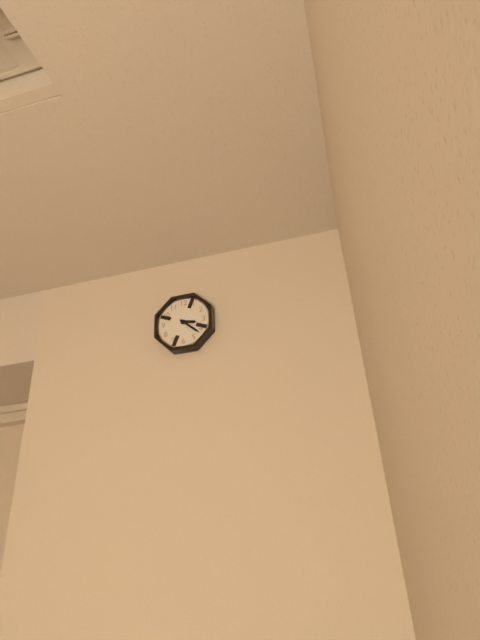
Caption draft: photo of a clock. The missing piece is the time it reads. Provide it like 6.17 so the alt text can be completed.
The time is 3.22
